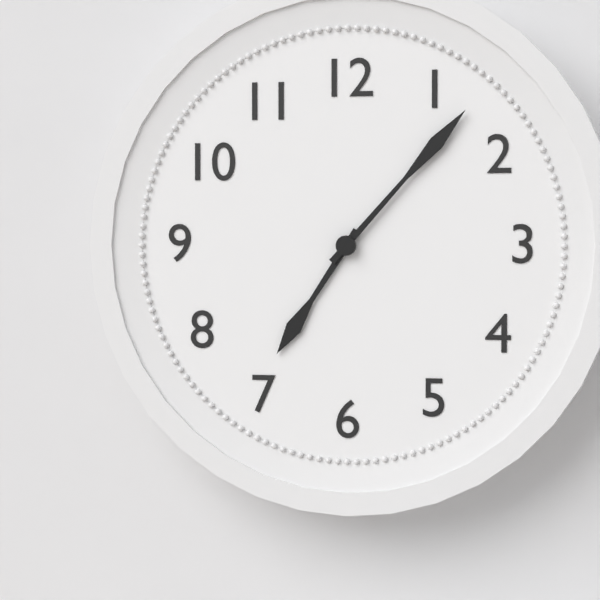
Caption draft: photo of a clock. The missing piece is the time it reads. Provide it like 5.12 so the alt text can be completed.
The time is 7.07
